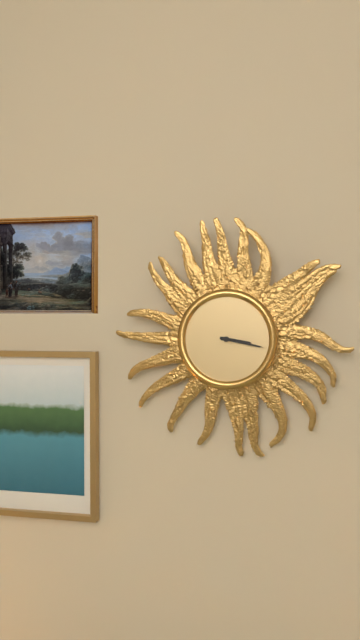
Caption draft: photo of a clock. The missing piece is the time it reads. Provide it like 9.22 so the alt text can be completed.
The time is 3.17
